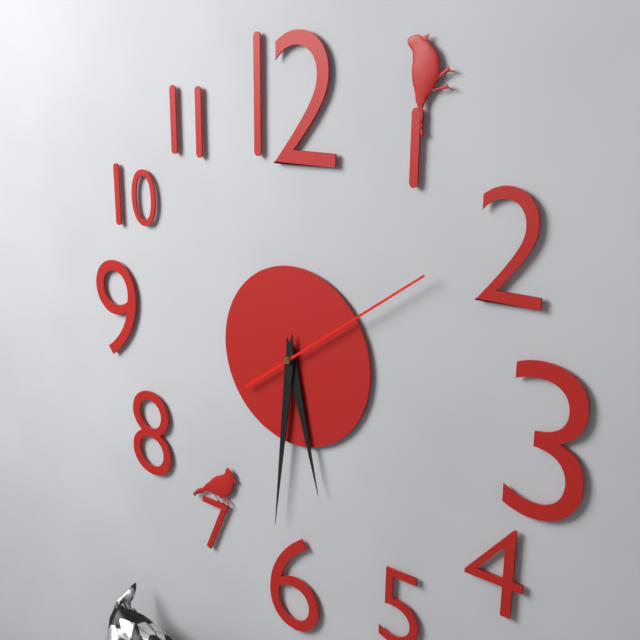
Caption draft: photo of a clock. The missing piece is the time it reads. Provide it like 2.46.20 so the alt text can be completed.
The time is 5.31.09
